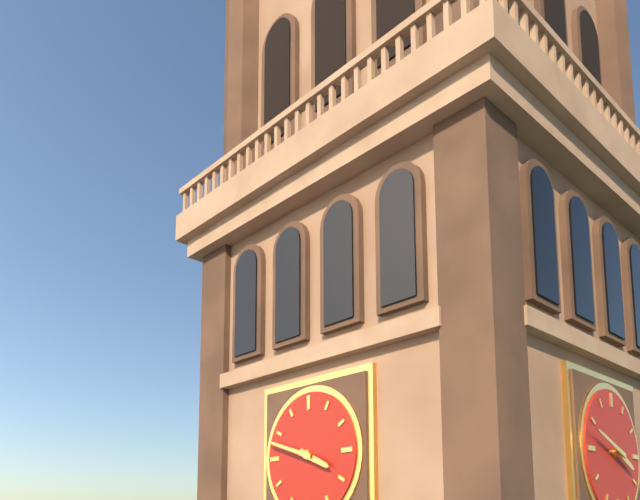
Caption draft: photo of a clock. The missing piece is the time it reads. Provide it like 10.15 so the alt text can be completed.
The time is 3.48
